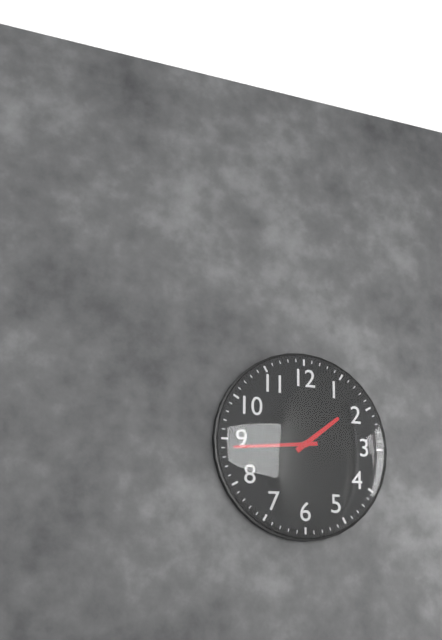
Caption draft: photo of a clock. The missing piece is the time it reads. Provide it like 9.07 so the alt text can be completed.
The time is 1.44
